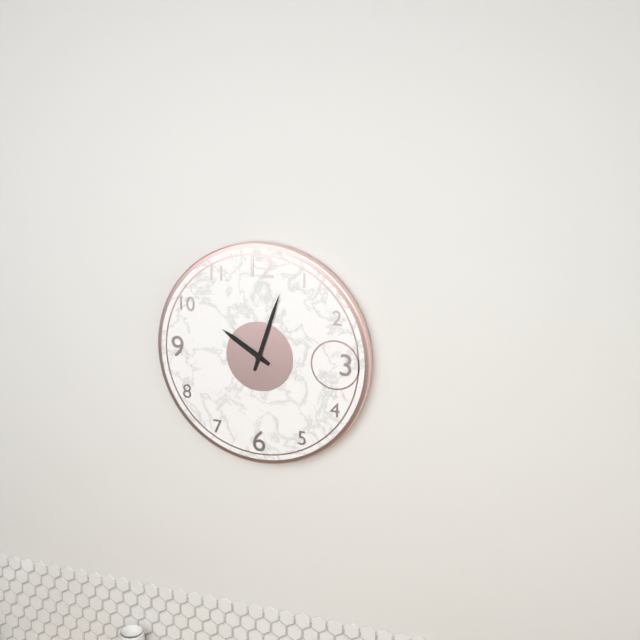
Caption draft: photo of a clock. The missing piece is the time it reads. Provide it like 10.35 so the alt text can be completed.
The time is 10.03
